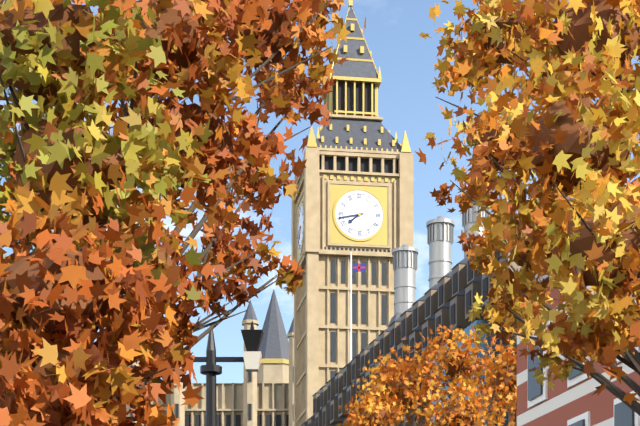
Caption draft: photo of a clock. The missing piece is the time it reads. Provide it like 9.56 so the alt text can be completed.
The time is 7.43
